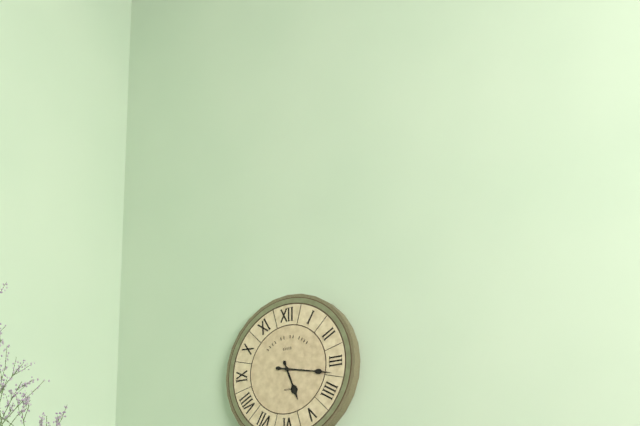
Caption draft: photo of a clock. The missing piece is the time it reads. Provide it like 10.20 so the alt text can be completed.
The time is 5.17
